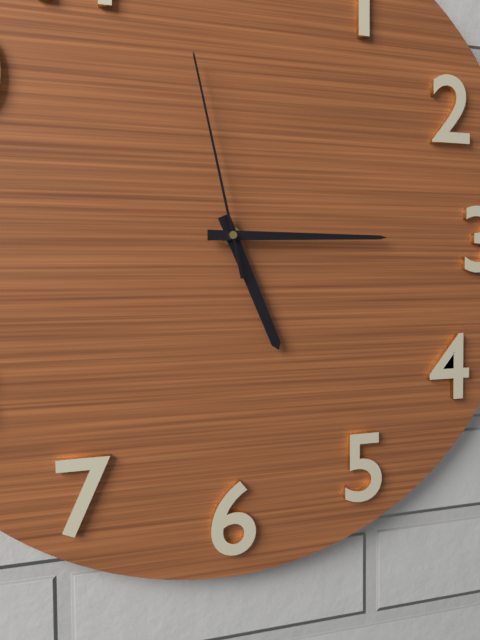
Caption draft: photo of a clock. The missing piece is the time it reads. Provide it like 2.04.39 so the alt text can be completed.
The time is 5.15.58
